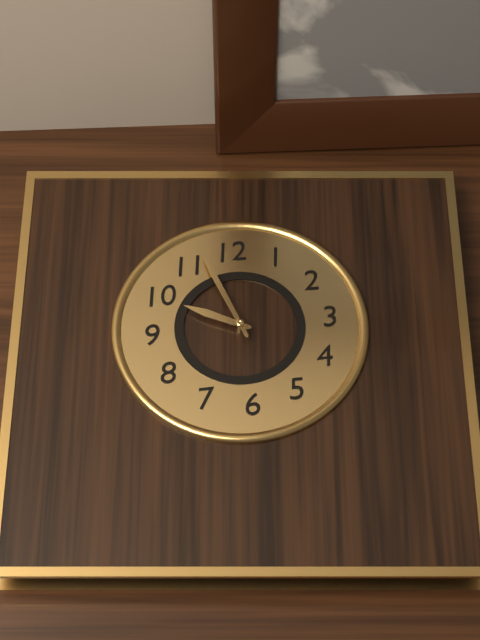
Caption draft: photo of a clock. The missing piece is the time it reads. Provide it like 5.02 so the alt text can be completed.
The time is 9.57
